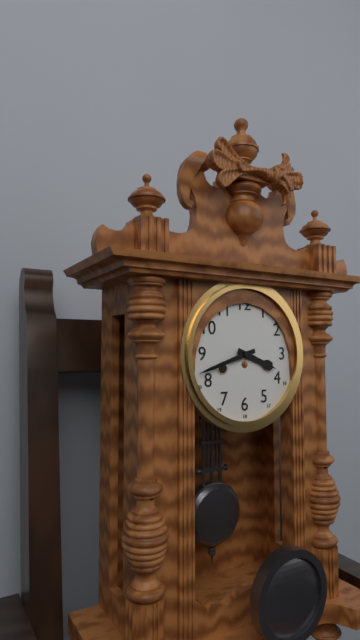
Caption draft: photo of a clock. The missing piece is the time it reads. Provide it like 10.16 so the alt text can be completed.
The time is 3.42
